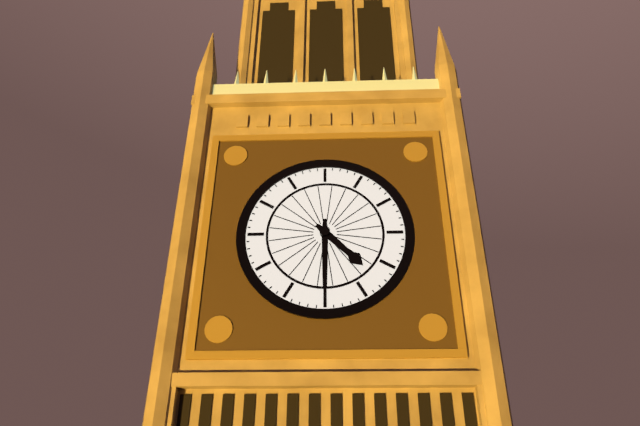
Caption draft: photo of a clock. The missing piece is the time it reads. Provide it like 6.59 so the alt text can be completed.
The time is 4.30
